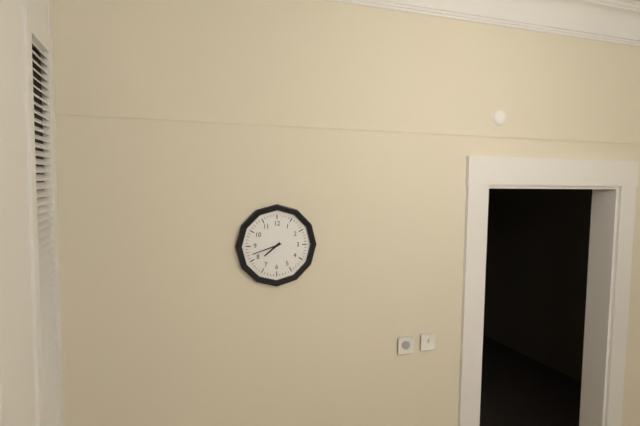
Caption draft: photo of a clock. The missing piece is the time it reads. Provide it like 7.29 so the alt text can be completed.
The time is 7.42
